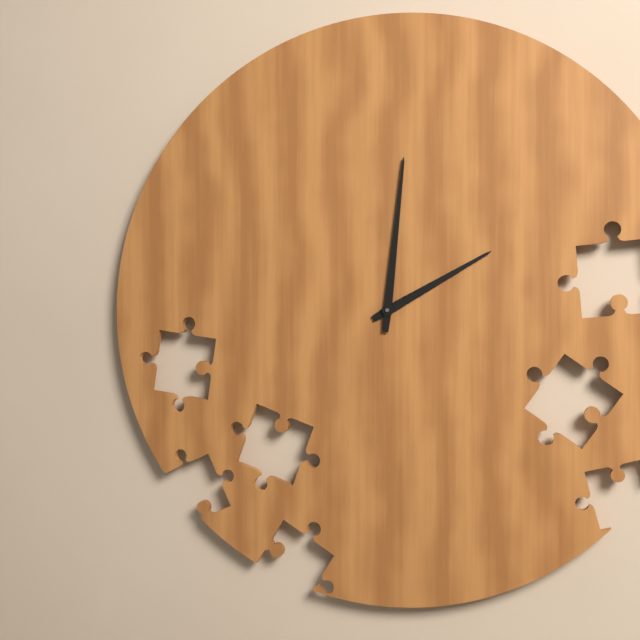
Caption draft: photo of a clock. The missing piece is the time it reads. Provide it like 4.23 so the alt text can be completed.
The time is 2.01
